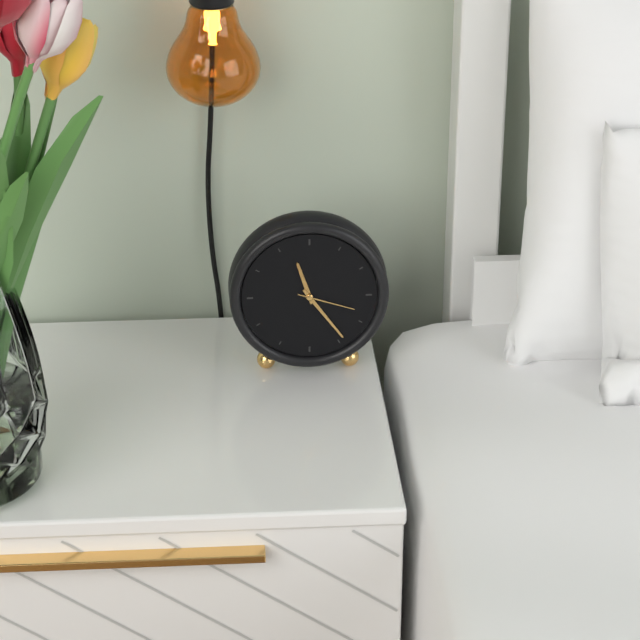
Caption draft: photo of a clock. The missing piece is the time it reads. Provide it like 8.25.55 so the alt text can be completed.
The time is 11.24.18
